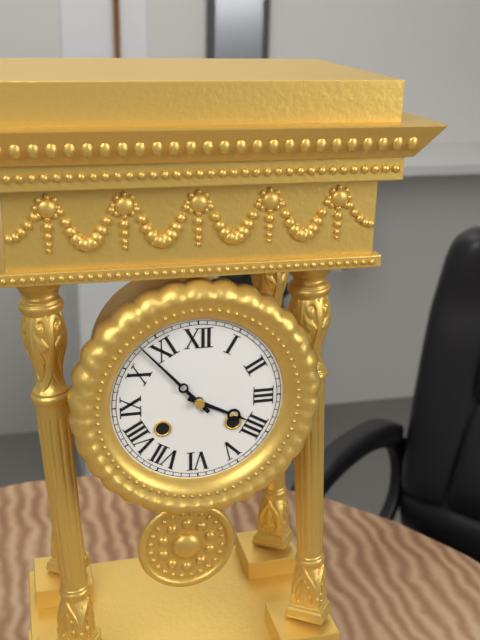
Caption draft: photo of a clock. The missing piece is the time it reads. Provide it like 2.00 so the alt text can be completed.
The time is 3.53
